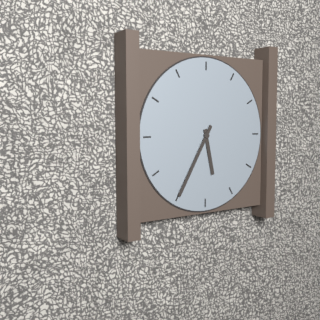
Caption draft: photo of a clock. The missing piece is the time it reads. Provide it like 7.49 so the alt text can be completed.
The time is 5.35
